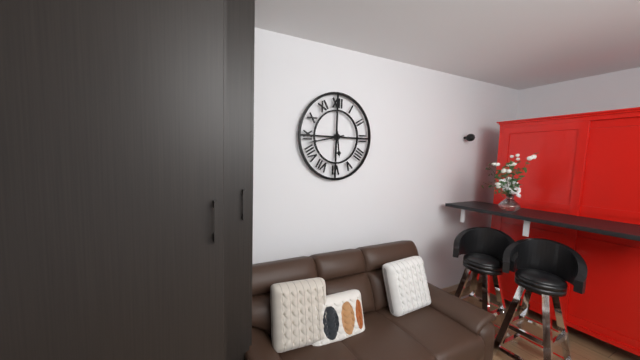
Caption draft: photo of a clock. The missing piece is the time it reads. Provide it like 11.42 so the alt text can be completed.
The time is 5.43
